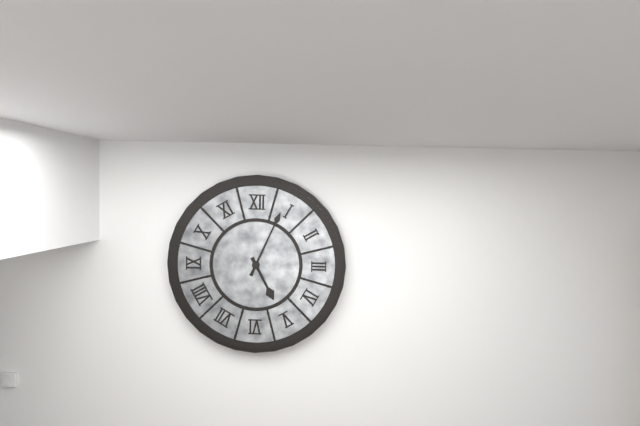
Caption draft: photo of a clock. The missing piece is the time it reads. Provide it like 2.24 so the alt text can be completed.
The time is 5.04
